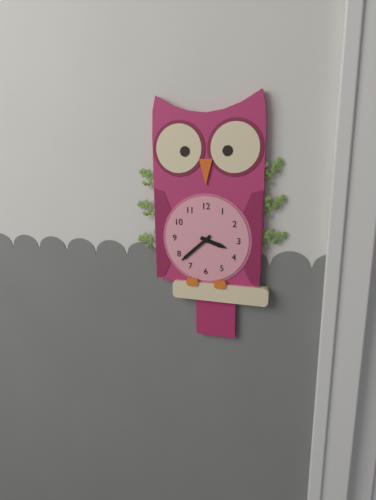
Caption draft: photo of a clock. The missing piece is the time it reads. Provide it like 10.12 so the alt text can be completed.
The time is 3.38
